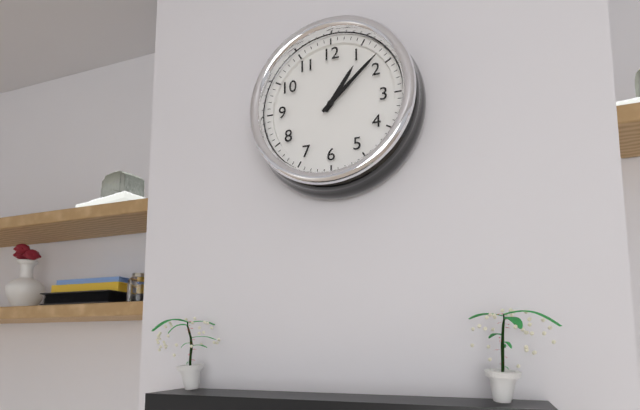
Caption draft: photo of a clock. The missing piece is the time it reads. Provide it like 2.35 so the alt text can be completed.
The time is 1.08
